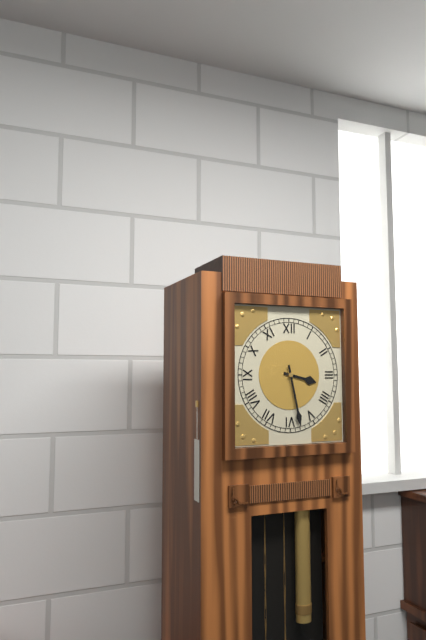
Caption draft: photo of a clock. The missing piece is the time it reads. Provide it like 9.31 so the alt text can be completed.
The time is 3.28
